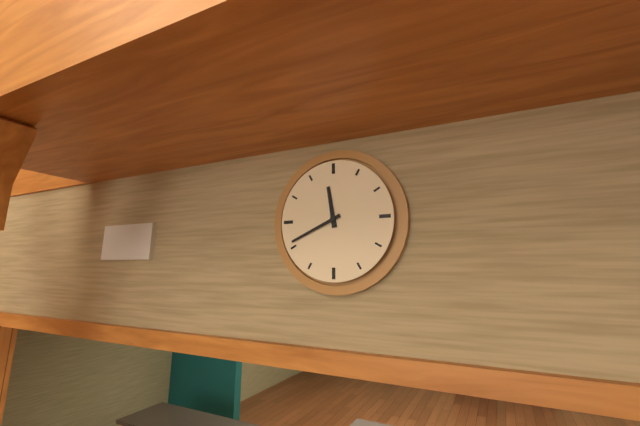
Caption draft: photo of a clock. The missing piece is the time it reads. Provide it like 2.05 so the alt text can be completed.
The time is 11.41
